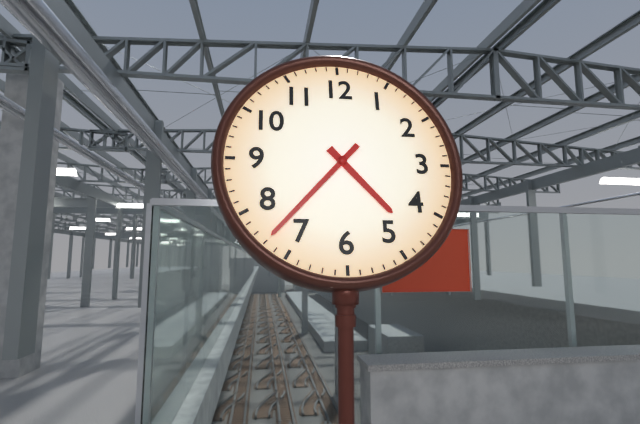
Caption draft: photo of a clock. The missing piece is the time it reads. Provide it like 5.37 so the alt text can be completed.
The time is 4.37
